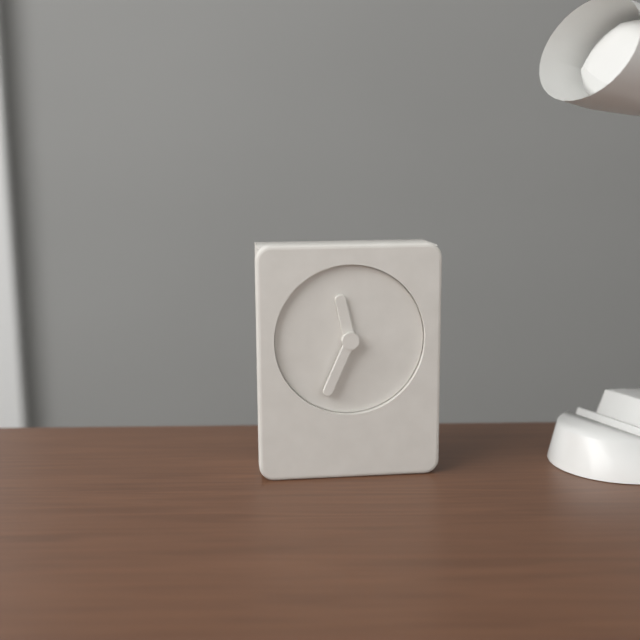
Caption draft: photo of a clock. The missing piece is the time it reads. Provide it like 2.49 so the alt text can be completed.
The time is 11.34
